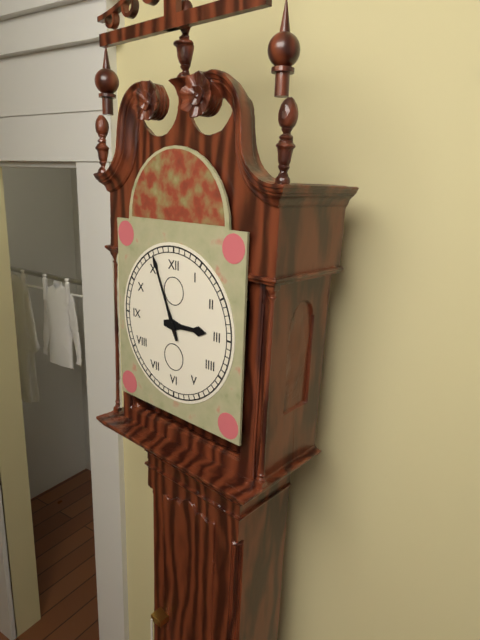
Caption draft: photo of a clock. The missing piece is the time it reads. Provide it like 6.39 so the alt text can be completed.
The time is 2.56
